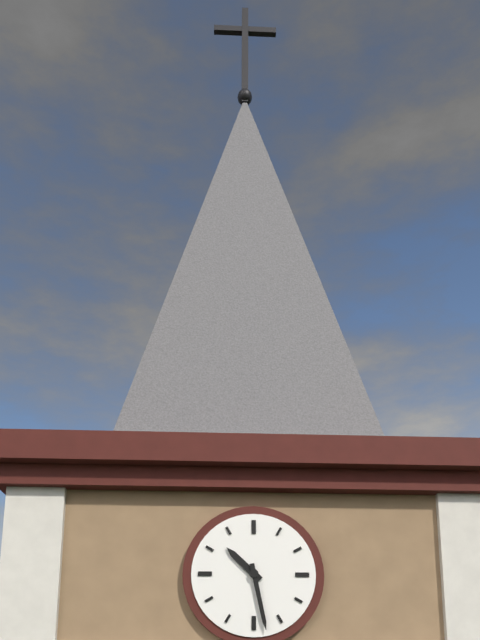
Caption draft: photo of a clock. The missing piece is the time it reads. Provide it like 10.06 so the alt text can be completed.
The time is 10.28
